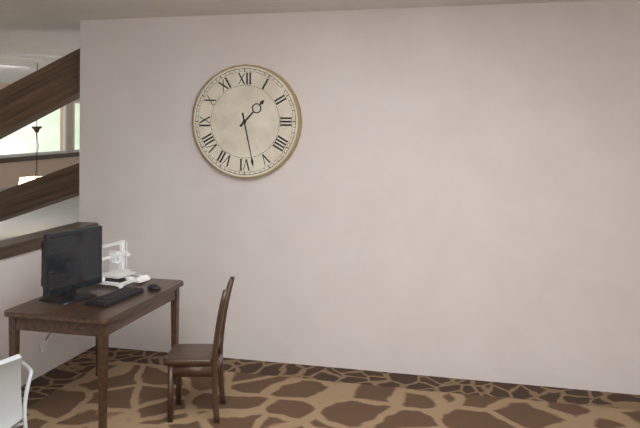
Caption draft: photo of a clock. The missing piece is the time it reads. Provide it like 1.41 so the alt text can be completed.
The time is 1.28
